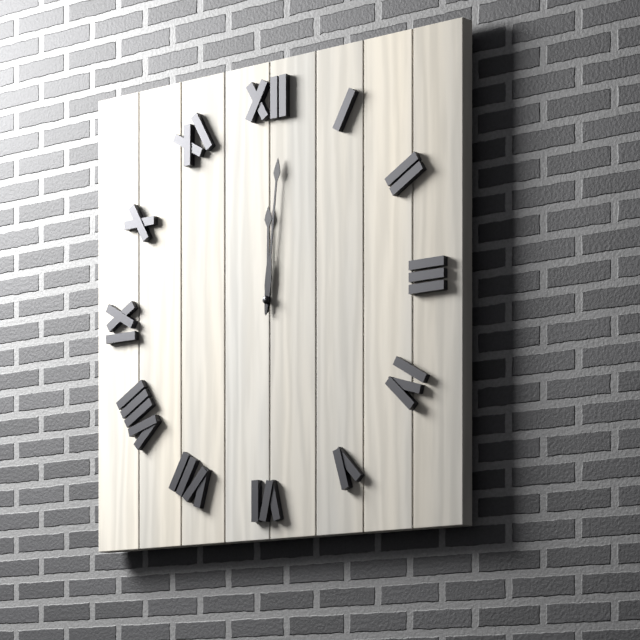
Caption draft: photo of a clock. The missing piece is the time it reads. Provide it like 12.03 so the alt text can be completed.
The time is 12.01
